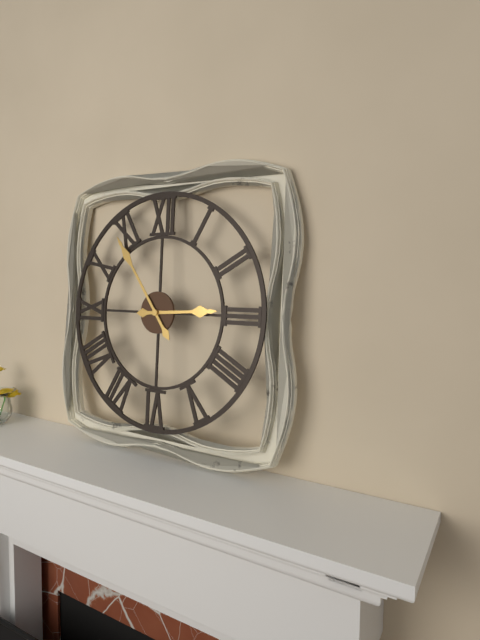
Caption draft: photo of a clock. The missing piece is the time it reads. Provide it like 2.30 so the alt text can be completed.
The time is 2.54
